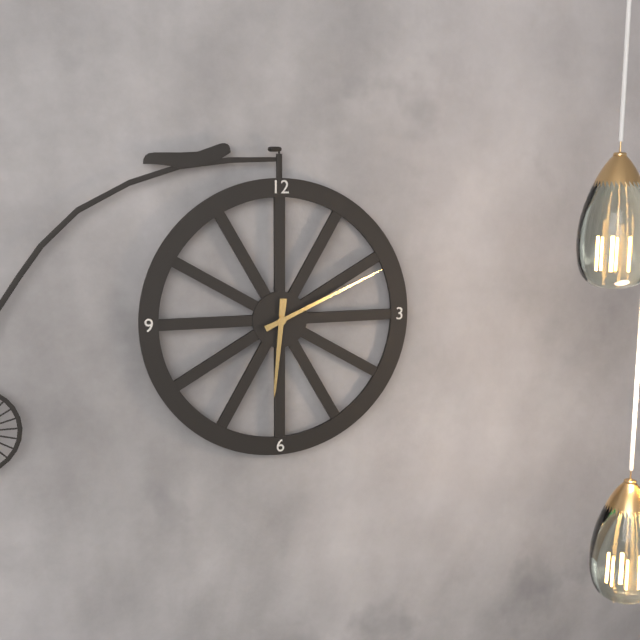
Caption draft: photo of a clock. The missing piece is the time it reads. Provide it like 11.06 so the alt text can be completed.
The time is 6.11
